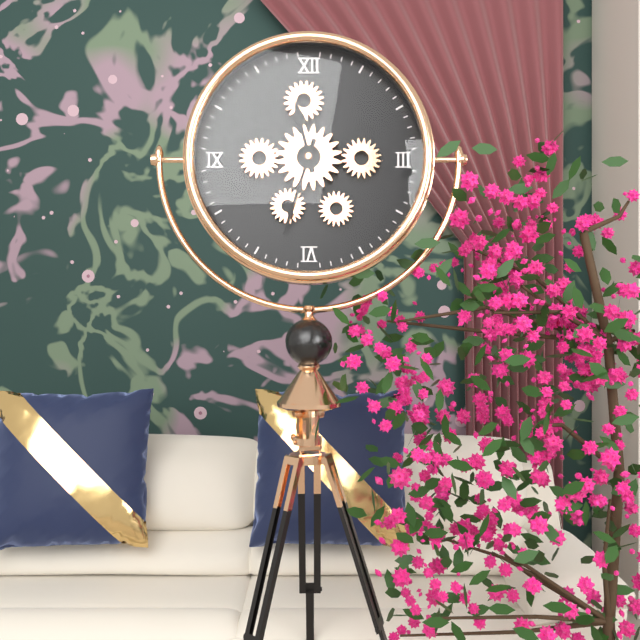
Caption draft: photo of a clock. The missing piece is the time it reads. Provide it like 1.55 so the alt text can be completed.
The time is 11.33
